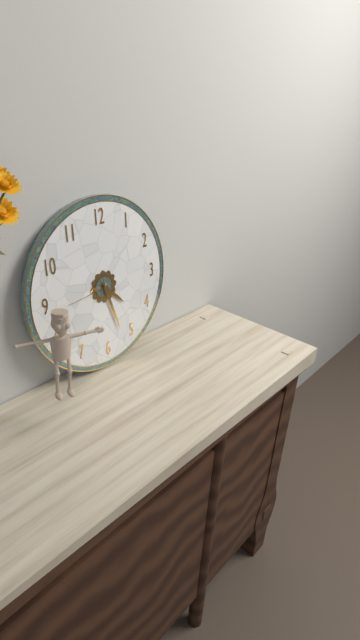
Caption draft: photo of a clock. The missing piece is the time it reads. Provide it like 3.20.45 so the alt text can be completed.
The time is 4.27.44
